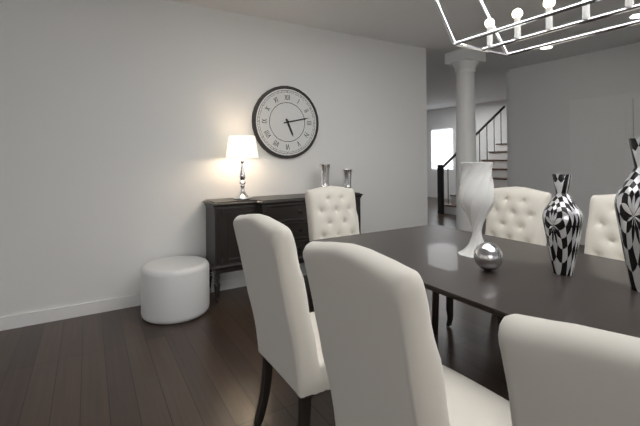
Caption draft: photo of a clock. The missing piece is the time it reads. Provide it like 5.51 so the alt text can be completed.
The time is 5.13
